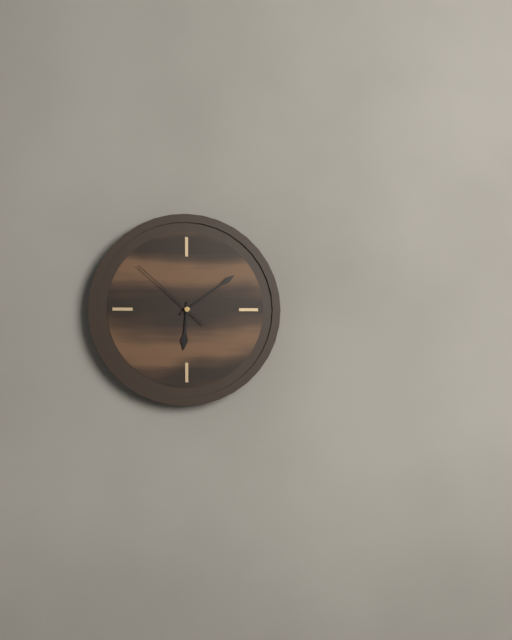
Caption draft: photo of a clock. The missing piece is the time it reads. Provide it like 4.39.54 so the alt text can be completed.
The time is 6.09.52
